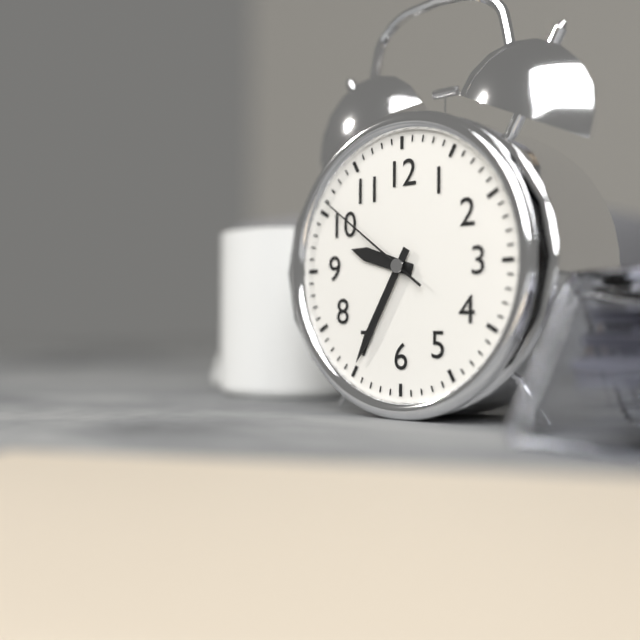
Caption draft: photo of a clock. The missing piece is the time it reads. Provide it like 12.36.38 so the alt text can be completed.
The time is 9.35.51
